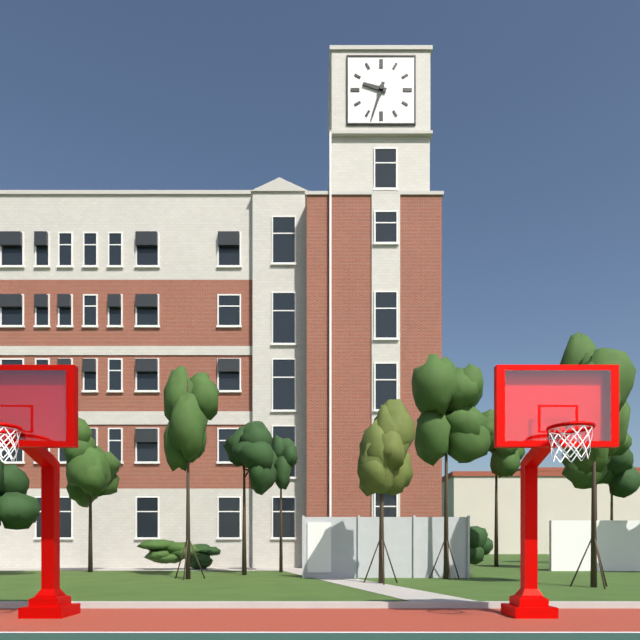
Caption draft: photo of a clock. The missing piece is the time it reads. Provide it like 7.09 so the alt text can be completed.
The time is 9.33
